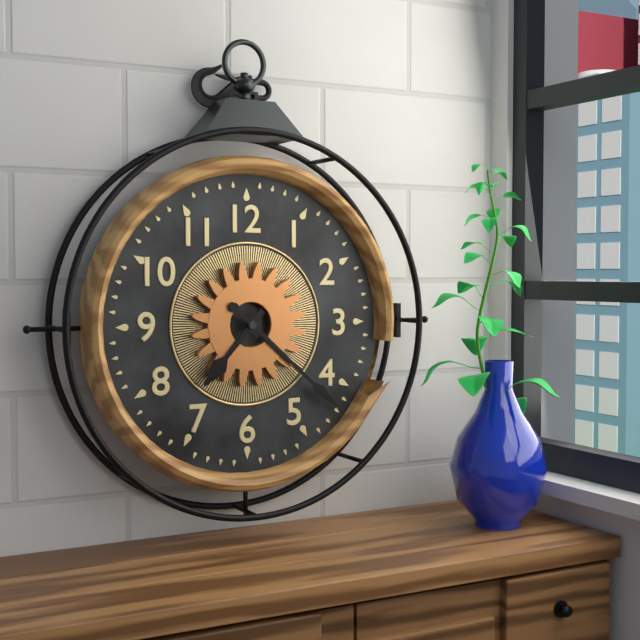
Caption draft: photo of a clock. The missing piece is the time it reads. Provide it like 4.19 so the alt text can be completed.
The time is 7.22
